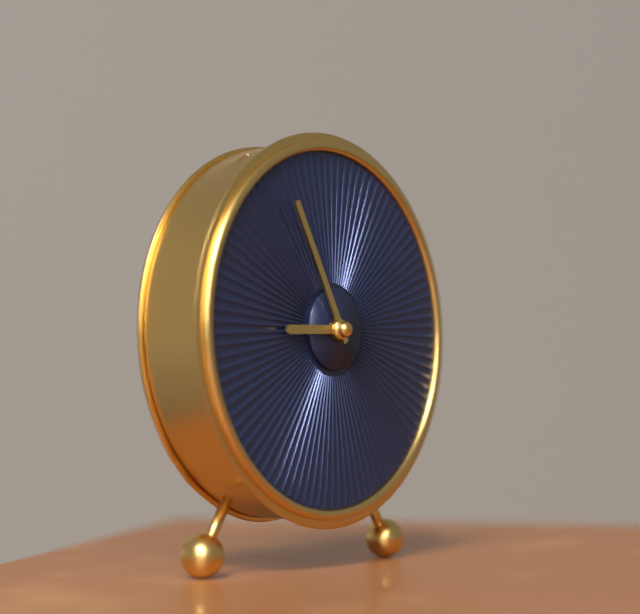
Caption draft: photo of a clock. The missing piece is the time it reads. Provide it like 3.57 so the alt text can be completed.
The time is 8.55
